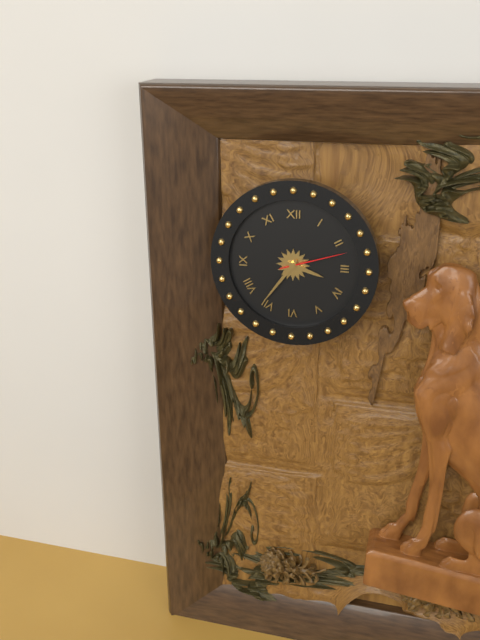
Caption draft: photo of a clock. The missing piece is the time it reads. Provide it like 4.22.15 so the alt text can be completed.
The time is 3.36.12
